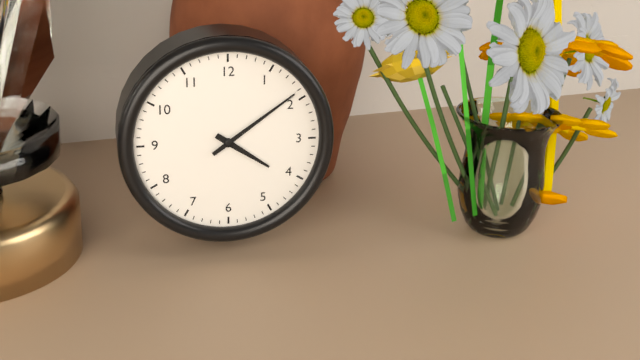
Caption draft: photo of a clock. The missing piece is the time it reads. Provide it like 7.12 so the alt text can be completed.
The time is 4.09
